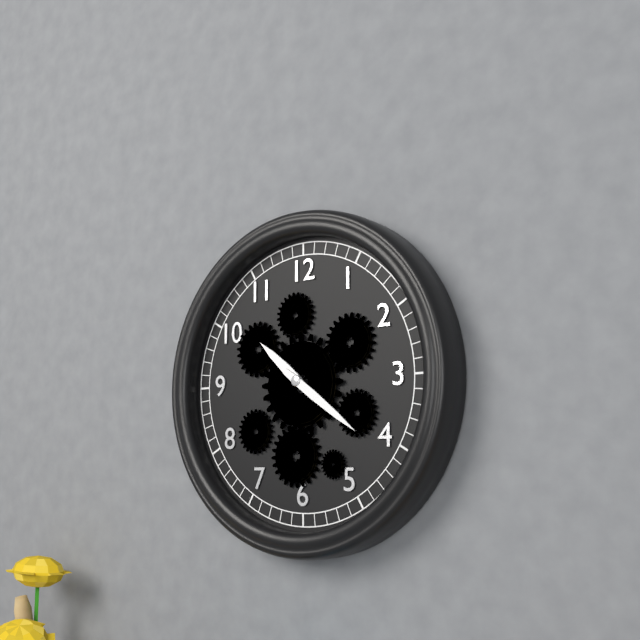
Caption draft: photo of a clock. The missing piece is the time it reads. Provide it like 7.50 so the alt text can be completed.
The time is 10.21
